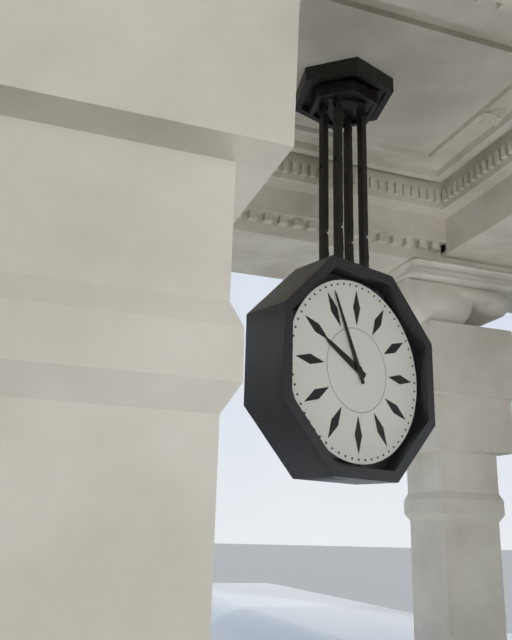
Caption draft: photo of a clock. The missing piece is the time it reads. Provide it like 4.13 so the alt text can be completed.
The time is 9.56
